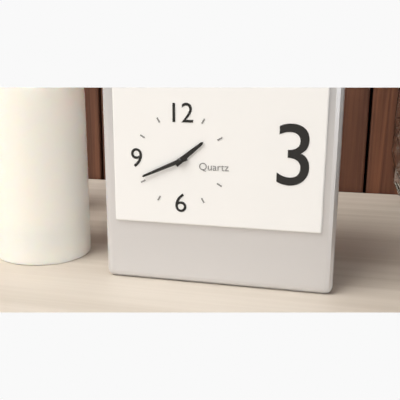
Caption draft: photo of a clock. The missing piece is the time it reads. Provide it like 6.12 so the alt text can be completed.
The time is 1.41
